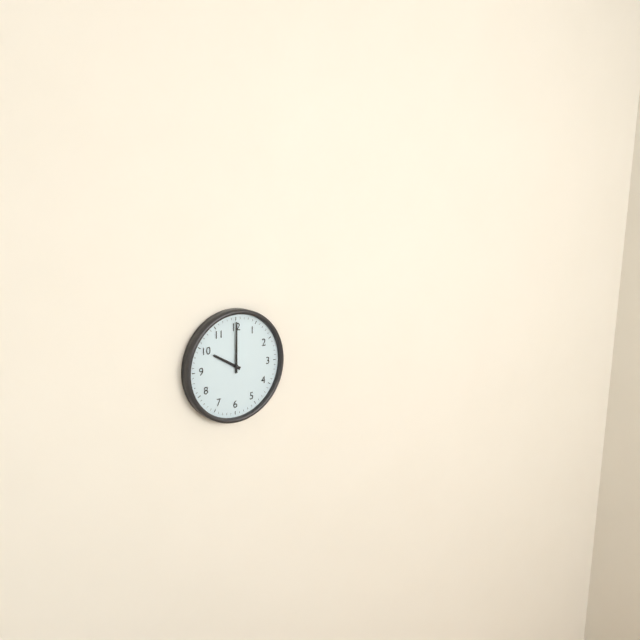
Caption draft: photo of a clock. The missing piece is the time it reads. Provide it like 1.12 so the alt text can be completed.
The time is 10.00
